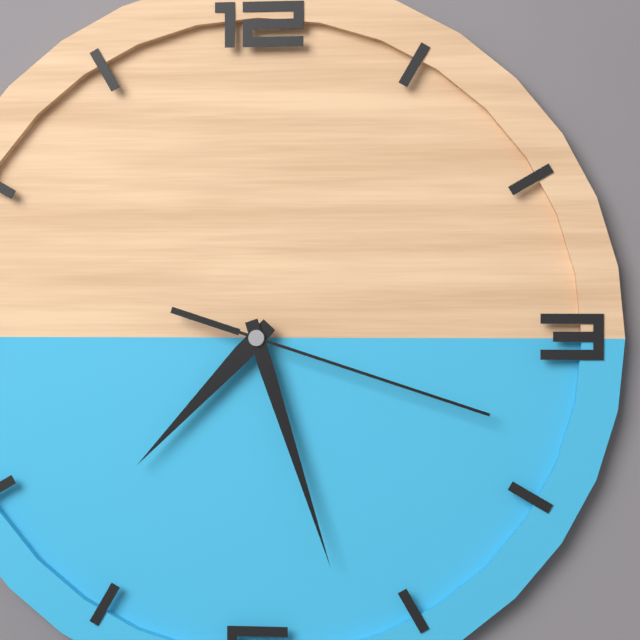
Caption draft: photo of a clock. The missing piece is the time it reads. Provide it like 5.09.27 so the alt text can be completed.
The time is 7.27.18
